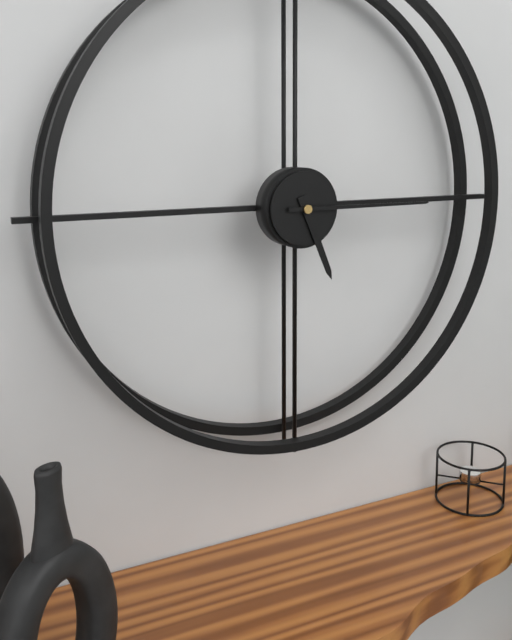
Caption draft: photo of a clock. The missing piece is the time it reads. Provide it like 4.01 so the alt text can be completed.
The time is 5.15
